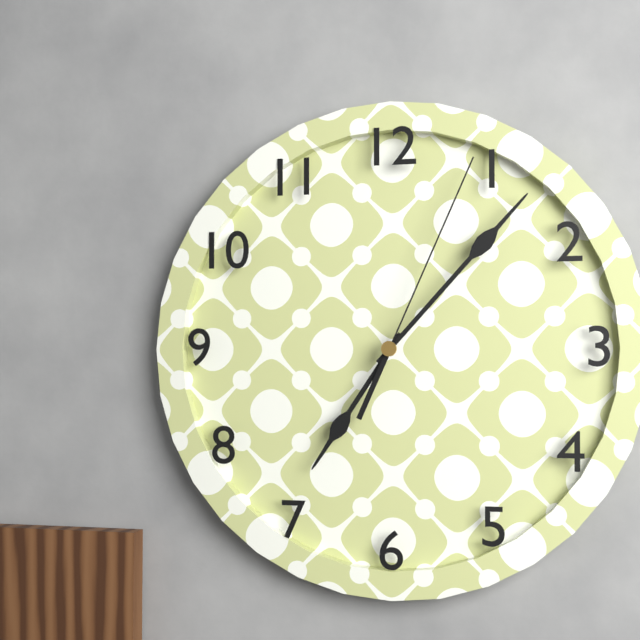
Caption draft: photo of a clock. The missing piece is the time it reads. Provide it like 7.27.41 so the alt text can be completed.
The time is 7.07.04
